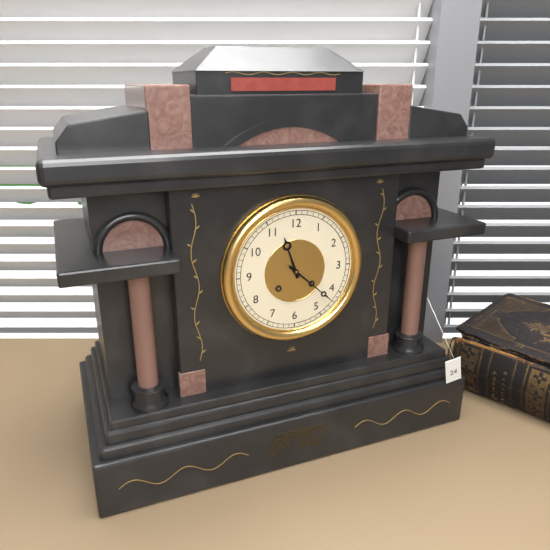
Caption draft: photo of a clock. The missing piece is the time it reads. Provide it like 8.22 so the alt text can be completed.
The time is 11.22
